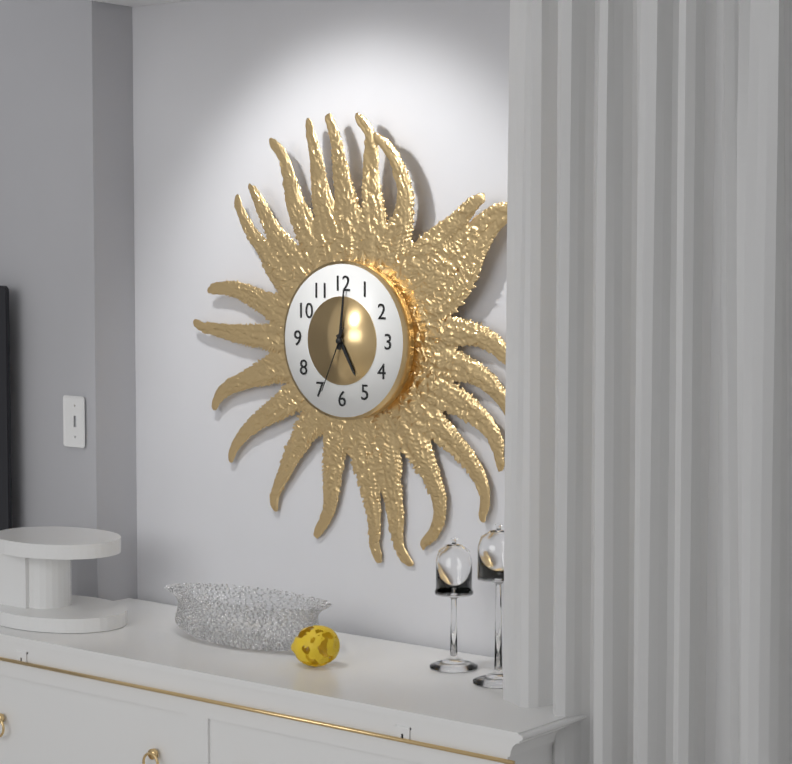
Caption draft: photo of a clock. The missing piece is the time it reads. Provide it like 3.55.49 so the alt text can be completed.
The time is 5.01.34
